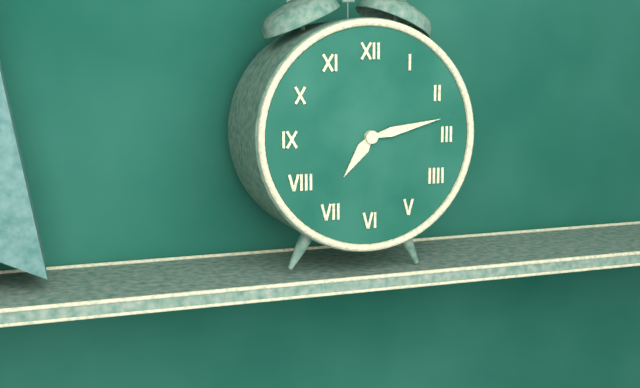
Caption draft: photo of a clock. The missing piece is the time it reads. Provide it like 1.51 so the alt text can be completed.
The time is 7.13
